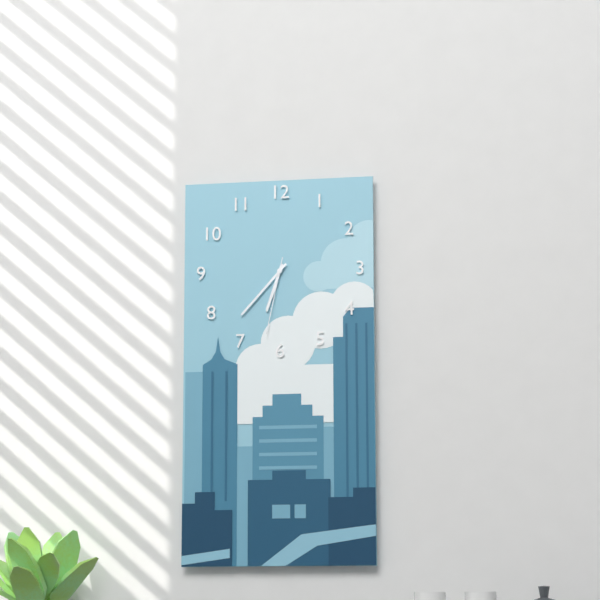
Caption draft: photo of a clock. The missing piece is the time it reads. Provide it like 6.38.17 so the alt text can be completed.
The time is 6.37.32
